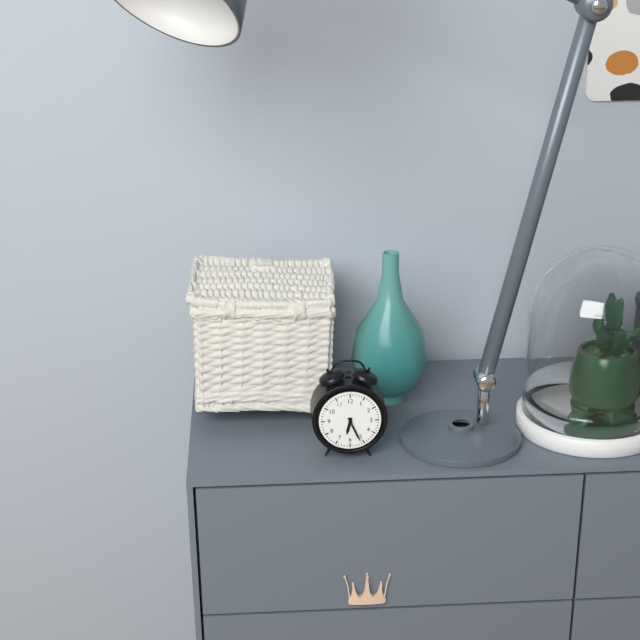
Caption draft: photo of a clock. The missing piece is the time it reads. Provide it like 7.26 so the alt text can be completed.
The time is 6.26
